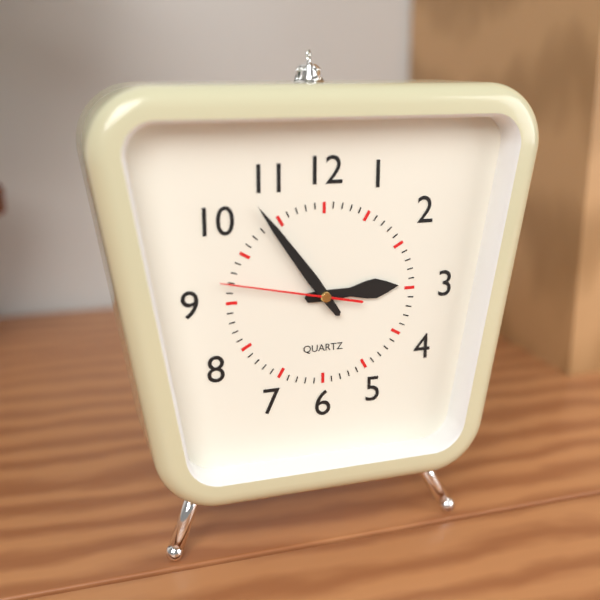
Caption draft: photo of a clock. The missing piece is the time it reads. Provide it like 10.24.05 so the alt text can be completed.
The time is 2.54.47
